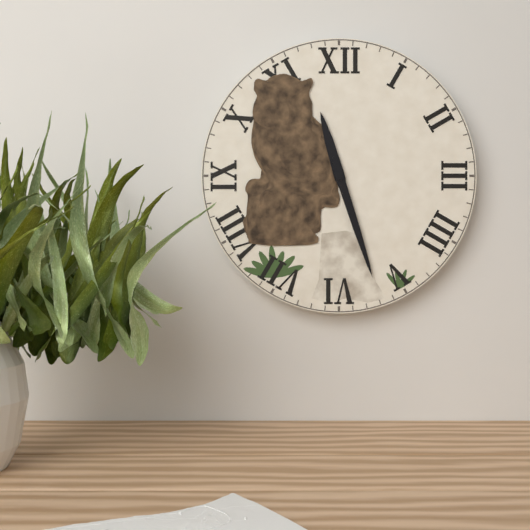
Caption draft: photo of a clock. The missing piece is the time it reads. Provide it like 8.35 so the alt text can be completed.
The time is 11.27
